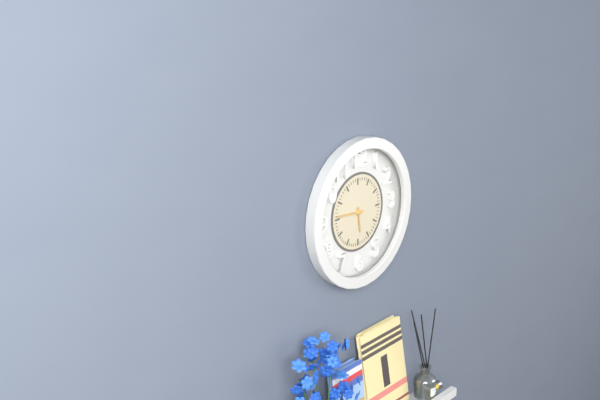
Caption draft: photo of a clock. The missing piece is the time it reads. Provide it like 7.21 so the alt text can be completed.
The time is 5.46
